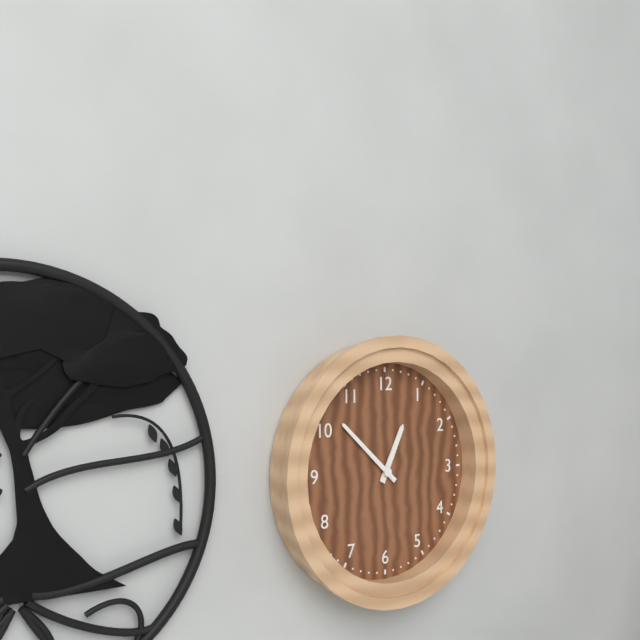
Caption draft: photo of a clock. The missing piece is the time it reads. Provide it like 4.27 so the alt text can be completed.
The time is 12.52
